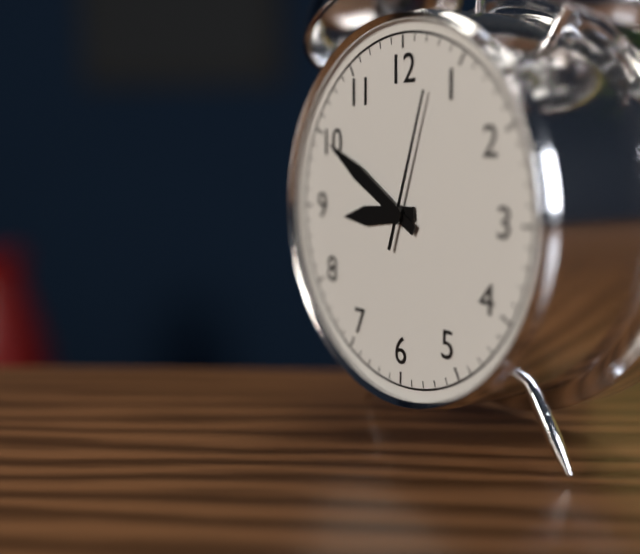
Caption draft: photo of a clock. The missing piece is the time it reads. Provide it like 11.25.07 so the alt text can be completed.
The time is 8.50.03
